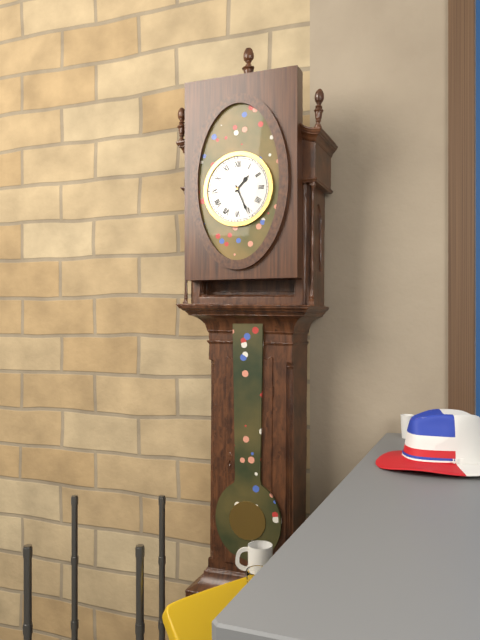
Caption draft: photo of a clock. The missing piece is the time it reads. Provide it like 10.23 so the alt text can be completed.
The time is 1.26
